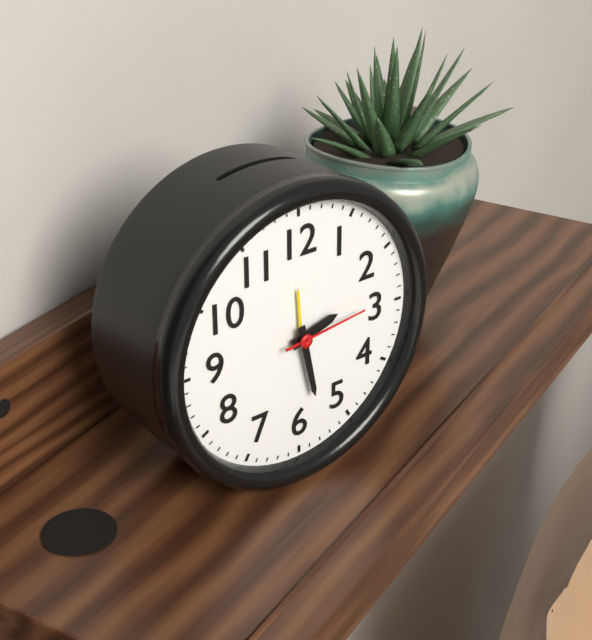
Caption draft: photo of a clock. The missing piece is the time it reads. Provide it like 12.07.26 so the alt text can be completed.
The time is 2.28.14
